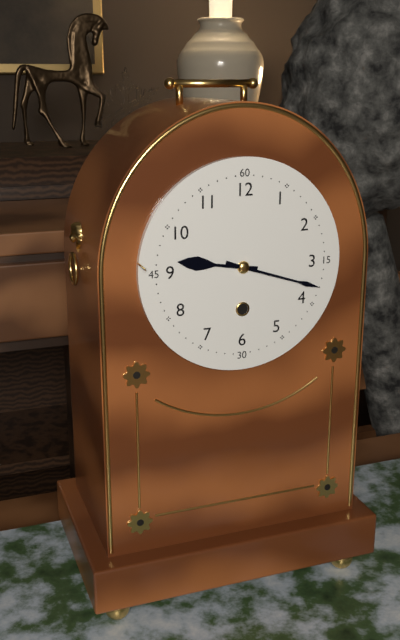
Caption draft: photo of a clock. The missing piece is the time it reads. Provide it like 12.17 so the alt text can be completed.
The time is 9.18
